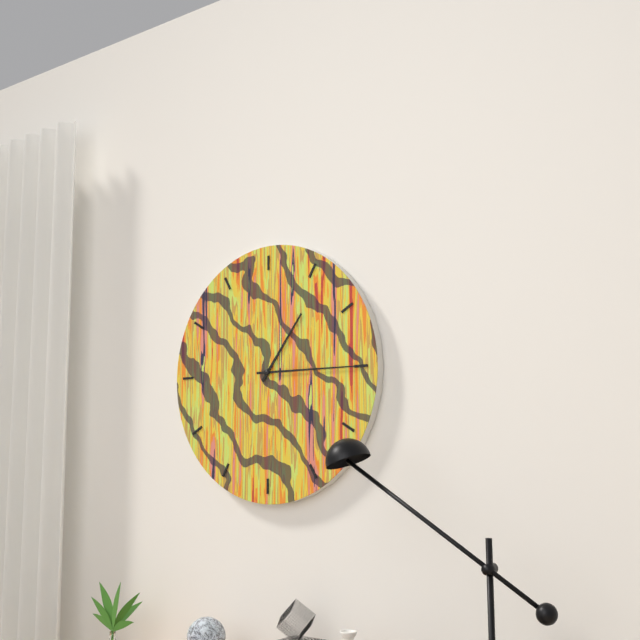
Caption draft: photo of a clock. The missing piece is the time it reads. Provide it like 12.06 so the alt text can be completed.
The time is 1.15
